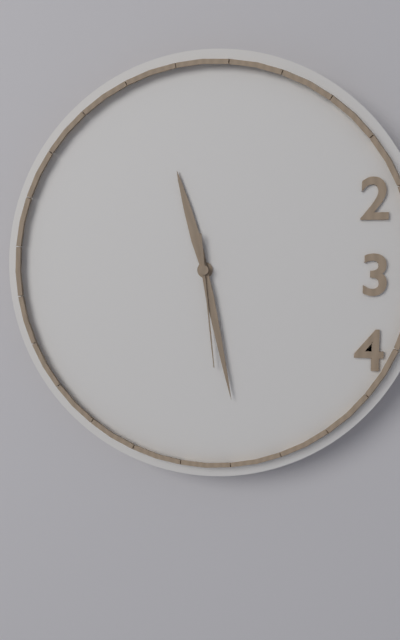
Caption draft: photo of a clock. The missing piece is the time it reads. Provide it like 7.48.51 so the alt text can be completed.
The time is 11.28.29
